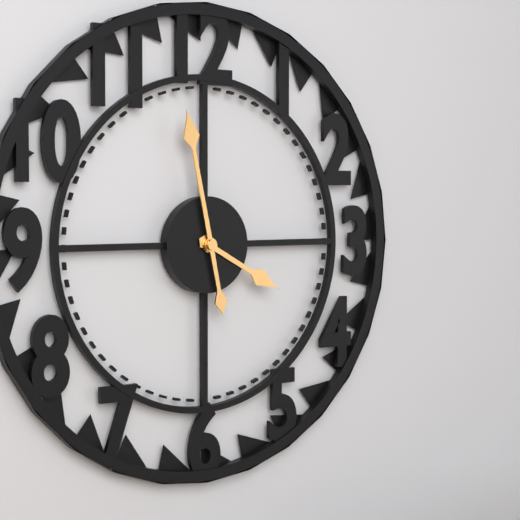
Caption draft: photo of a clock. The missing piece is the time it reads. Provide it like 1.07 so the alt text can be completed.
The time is 3.58
